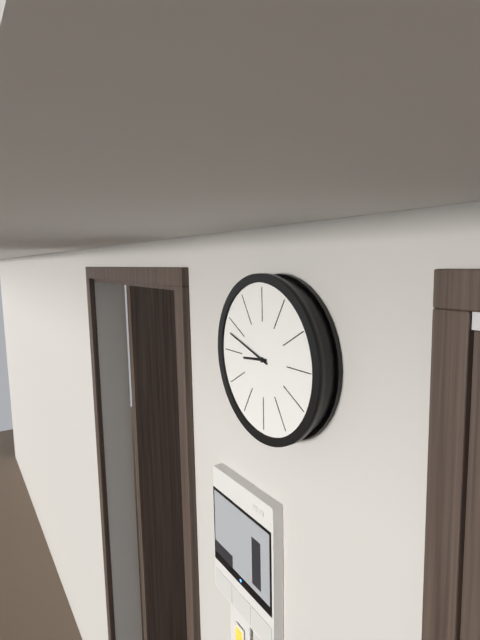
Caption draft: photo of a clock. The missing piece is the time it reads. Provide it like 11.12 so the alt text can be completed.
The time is 8.48
